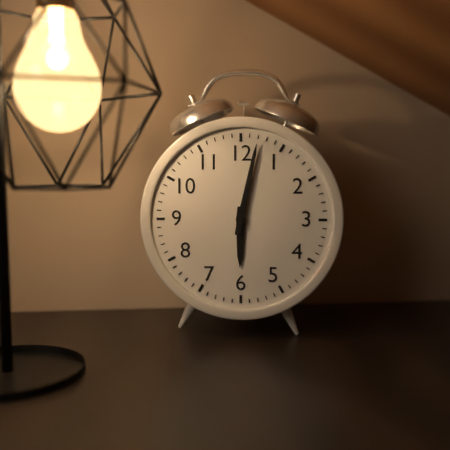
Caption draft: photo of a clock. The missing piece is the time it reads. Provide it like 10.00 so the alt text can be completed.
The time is 6.02
